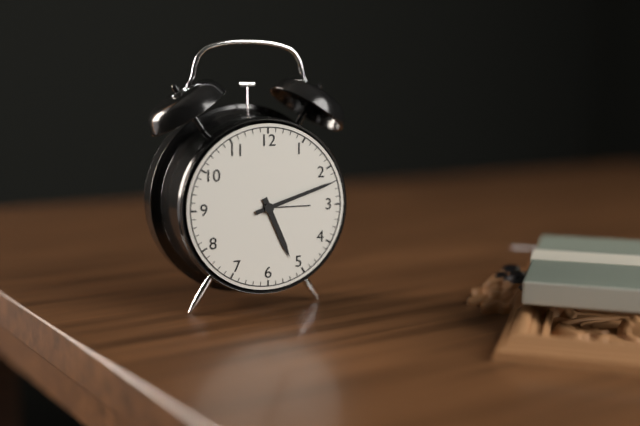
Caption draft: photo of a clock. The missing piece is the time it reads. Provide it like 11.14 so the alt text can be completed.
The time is 5.12
